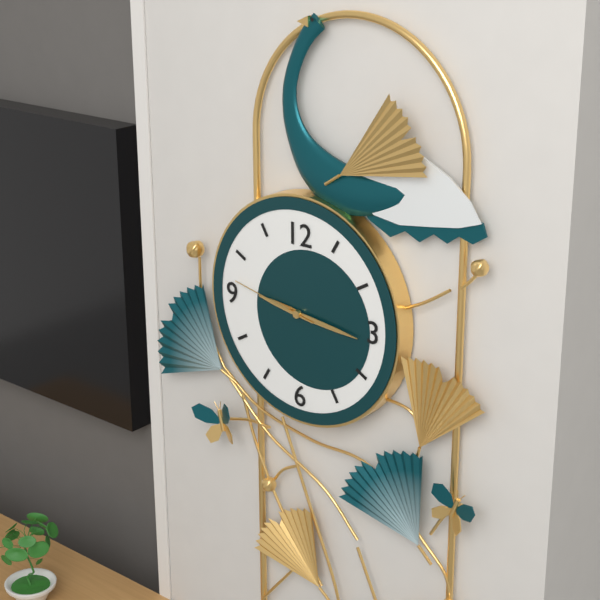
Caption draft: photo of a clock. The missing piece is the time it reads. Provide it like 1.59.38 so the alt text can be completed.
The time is 9.16.47
